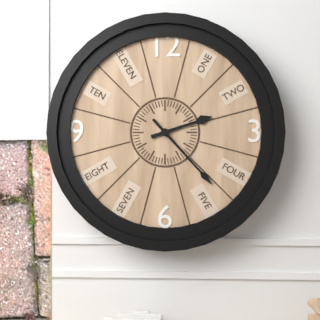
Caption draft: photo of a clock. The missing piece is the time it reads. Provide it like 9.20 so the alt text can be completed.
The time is 2.23
